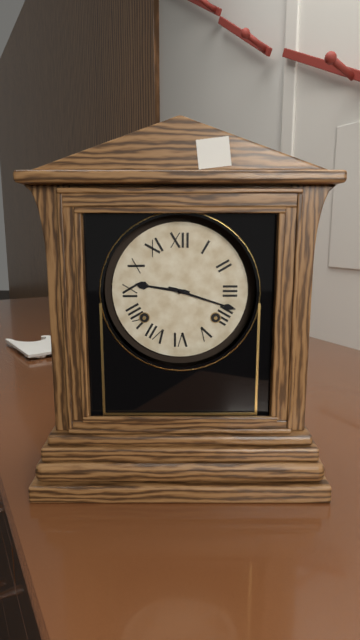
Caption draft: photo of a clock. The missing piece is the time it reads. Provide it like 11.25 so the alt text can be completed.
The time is 9.18
